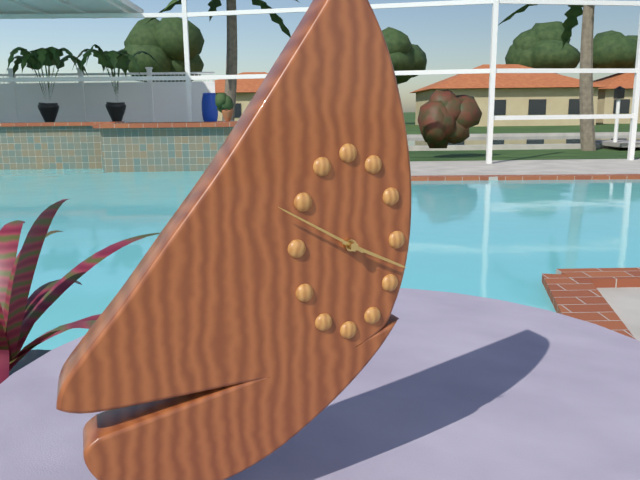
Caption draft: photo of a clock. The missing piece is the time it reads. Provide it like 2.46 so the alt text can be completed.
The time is 3.50
